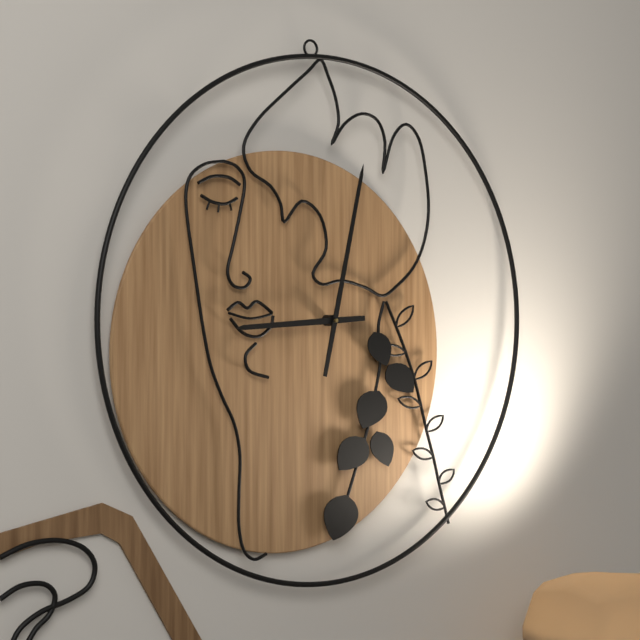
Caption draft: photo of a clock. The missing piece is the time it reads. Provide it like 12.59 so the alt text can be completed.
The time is 9.03
